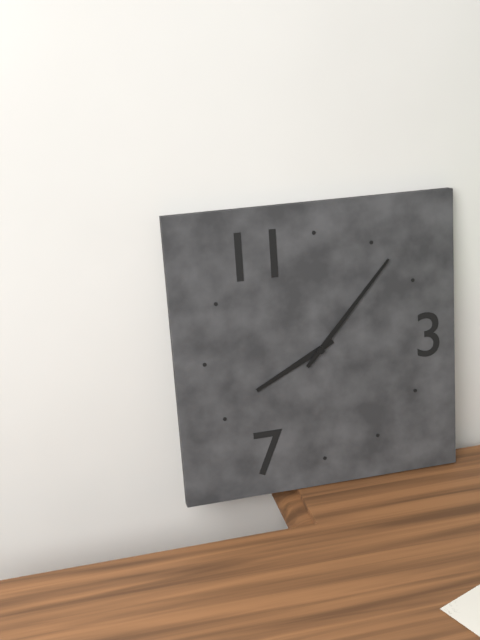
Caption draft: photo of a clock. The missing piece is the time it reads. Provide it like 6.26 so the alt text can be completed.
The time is 8.07
